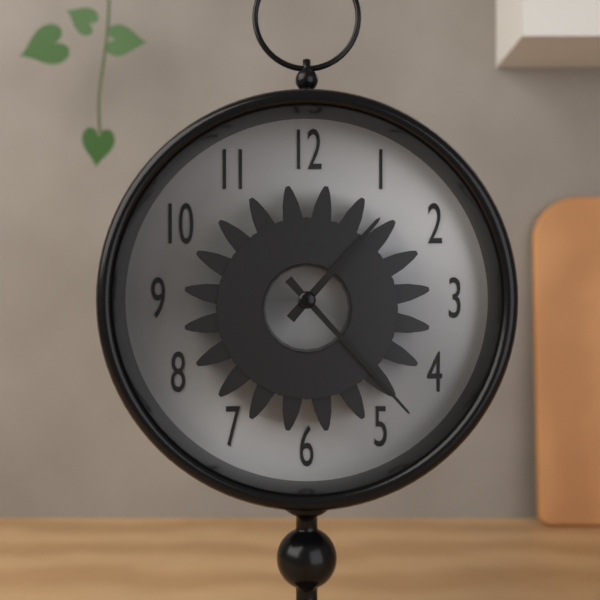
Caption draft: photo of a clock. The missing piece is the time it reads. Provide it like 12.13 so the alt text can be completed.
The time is 1.23
